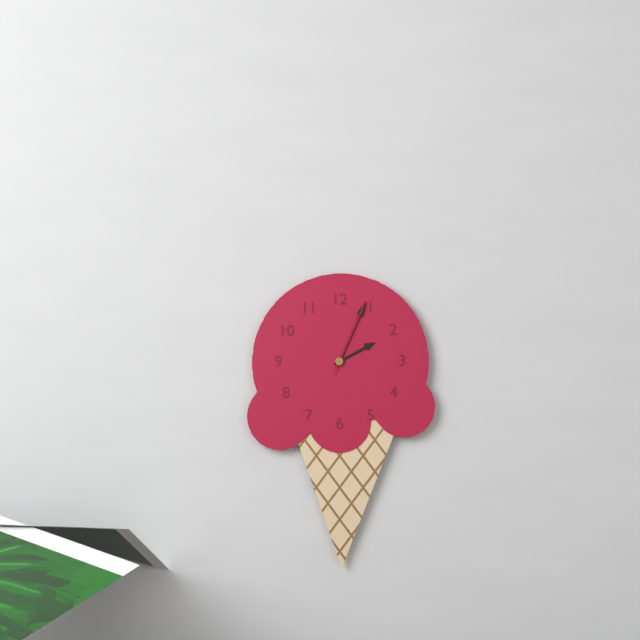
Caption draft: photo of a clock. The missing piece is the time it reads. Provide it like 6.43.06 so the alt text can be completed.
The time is 2.04.04
